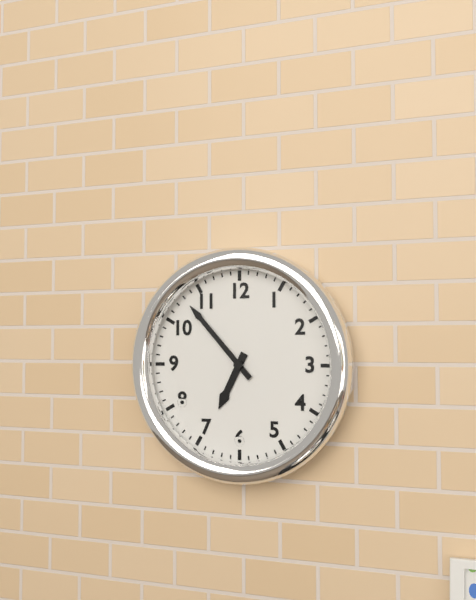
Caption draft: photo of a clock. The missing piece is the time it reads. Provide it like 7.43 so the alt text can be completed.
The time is 6.53
